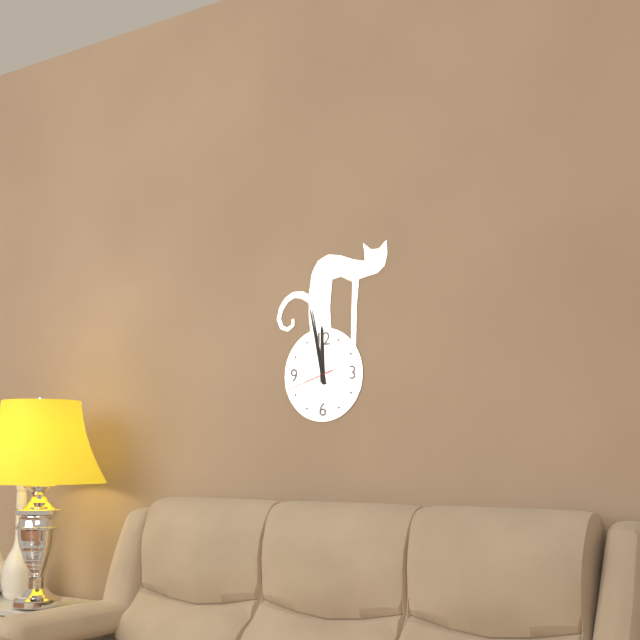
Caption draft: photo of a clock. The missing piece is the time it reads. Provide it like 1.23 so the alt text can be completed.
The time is 11.58
